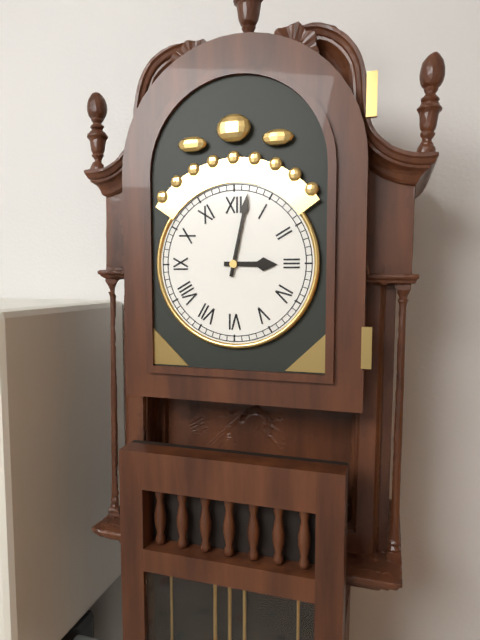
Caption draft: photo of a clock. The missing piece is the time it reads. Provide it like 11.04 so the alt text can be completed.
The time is 3.02
